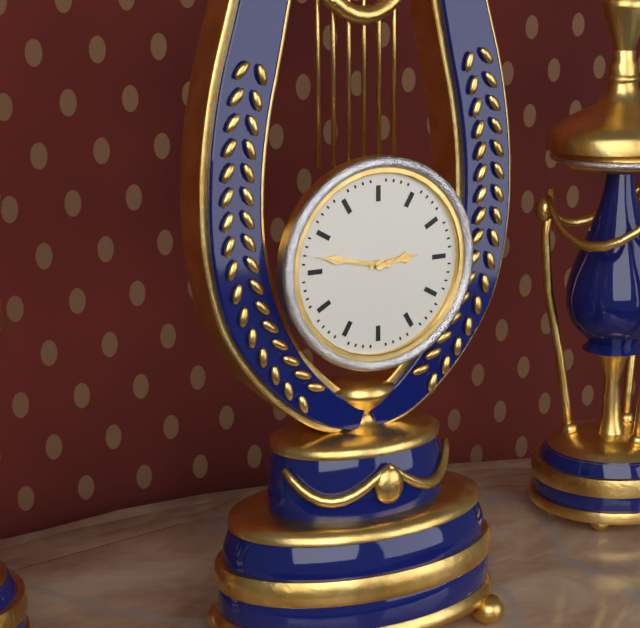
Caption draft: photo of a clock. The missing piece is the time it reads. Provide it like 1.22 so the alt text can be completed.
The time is 2.47
